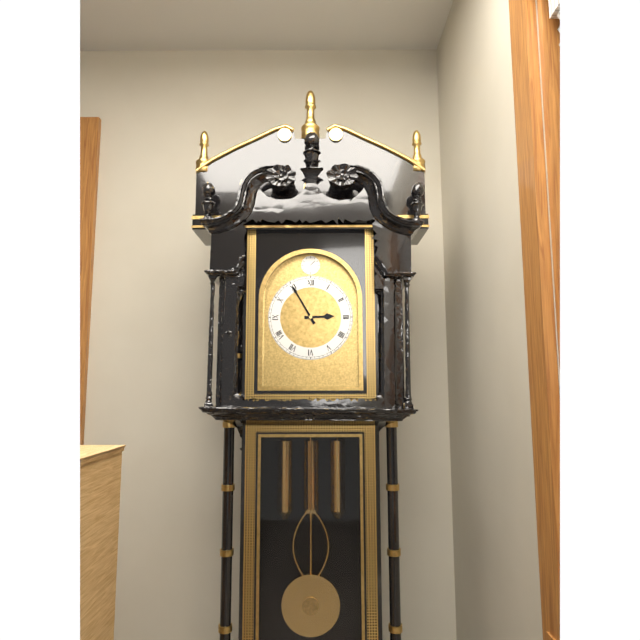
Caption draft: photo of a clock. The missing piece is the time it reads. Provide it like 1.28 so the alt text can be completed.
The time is 2.55
